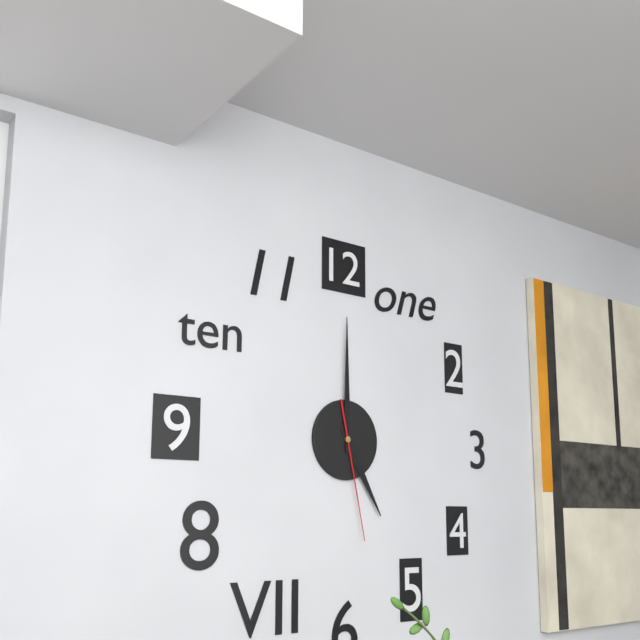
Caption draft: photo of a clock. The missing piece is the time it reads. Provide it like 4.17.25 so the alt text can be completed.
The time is 5.00.28
